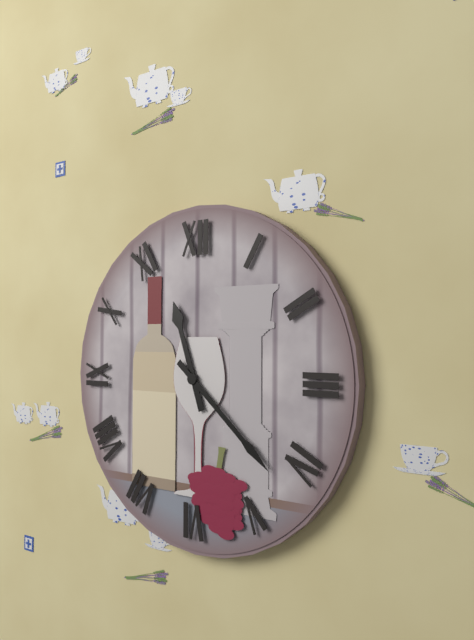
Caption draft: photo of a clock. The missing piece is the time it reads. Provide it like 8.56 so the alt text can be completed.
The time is 11.22
